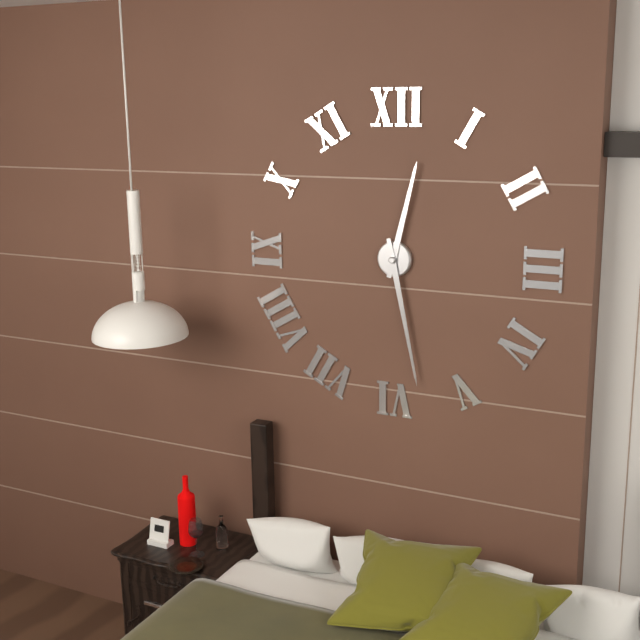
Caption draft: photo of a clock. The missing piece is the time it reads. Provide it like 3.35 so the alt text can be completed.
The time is 12.28
